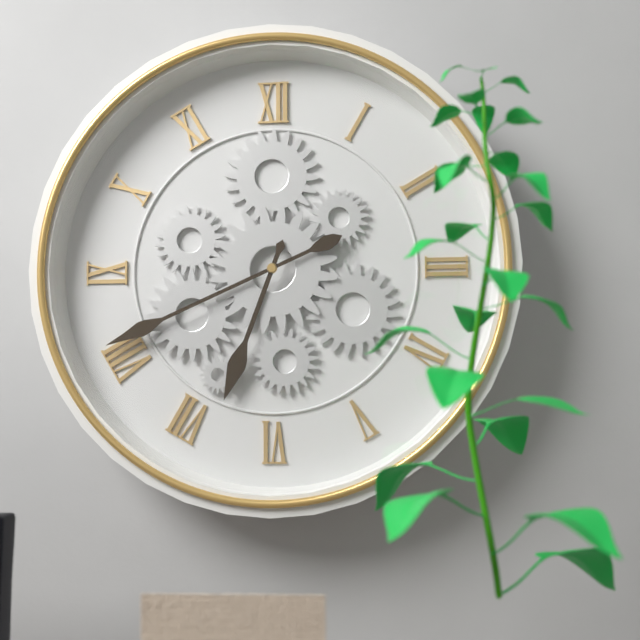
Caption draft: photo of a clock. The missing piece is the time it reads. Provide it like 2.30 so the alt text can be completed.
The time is 6.41
